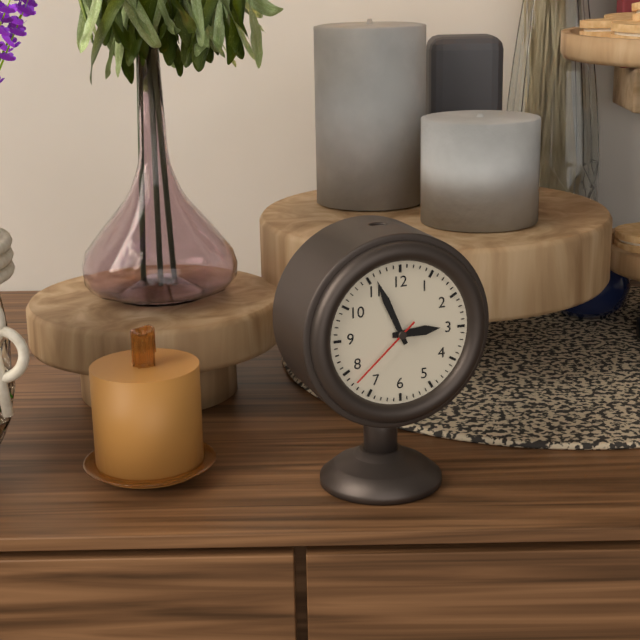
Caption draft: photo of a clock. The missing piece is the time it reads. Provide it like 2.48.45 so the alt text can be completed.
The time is 2.56.38
